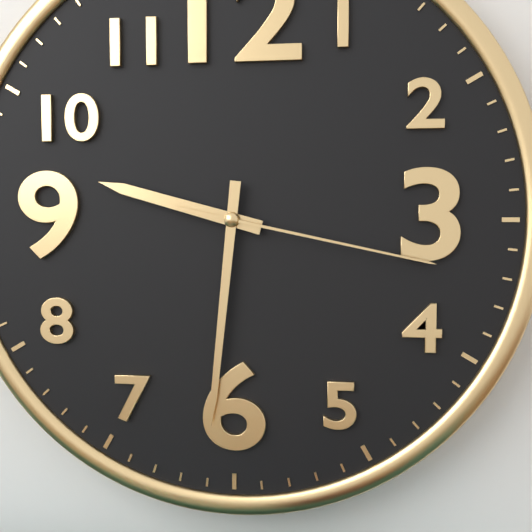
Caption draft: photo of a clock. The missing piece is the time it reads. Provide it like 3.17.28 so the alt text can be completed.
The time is 9.31.17
